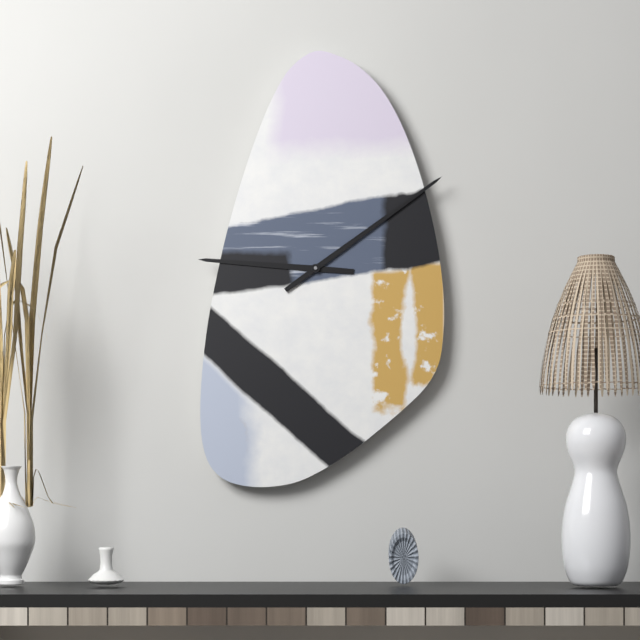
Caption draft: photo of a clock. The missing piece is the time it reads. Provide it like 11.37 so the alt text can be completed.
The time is 9.09
